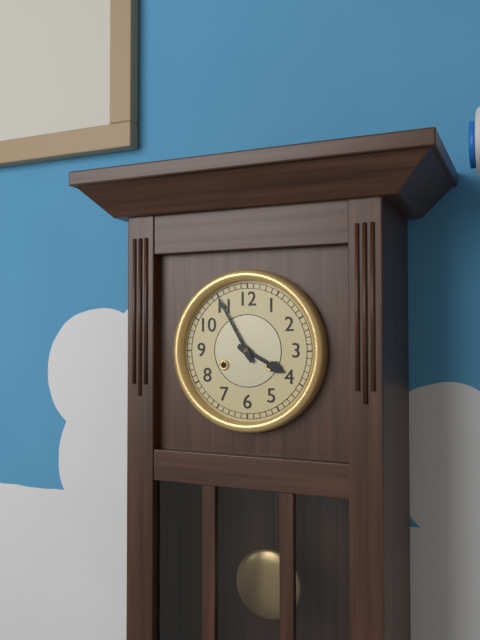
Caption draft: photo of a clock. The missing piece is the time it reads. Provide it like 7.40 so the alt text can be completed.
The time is 3.55
